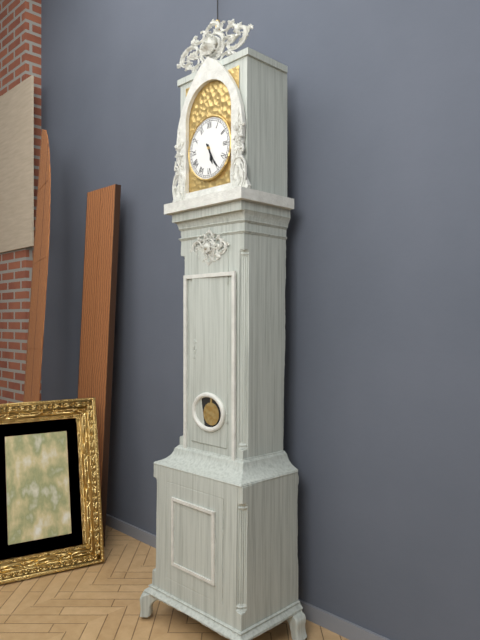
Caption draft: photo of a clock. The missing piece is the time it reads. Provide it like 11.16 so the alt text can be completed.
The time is 5.25
